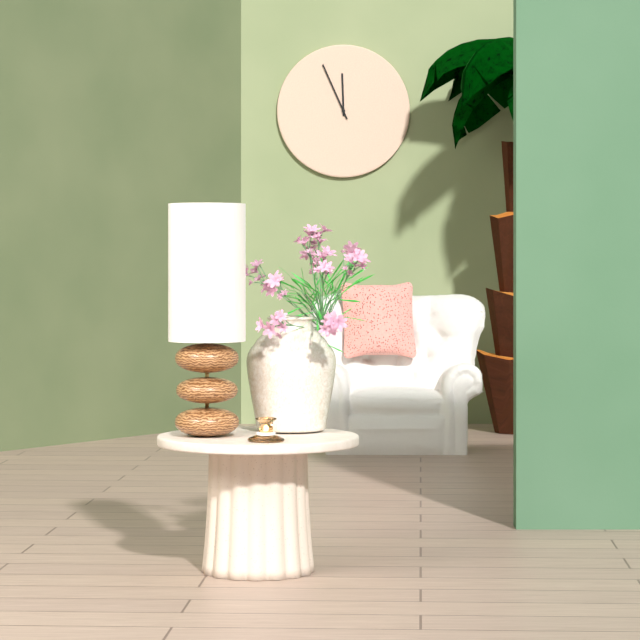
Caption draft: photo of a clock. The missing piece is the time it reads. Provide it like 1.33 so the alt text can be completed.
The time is 11.56
